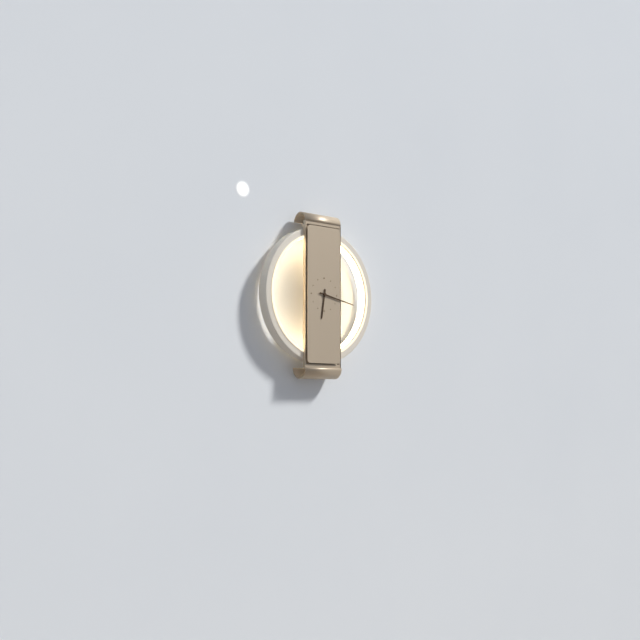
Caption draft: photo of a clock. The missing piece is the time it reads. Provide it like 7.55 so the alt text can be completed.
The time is 6.17
